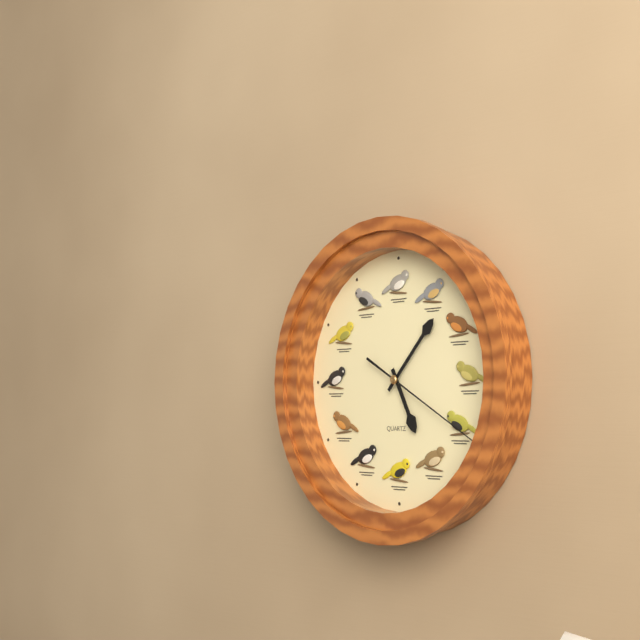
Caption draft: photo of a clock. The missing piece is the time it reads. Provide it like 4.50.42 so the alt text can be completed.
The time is 5.07.20
